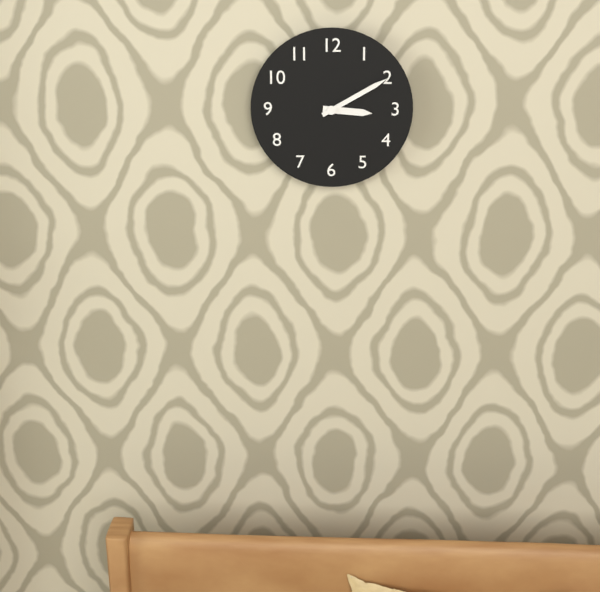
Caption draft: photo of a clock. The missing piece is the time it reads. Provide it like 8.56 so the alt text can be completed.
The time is 3.10
